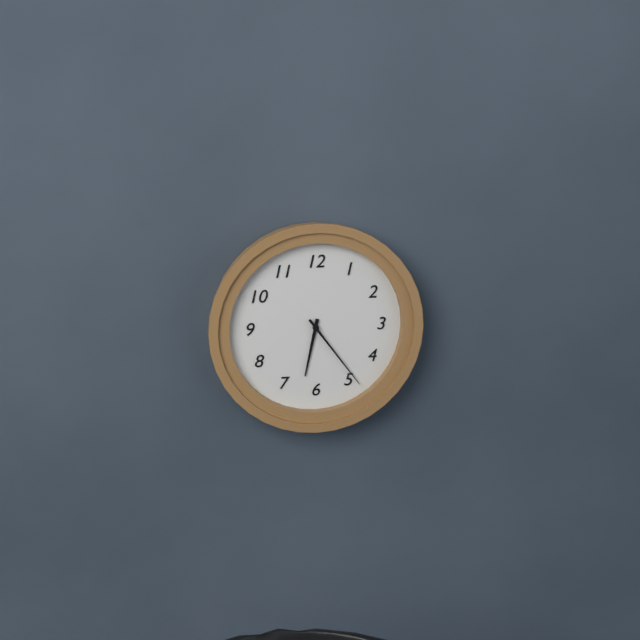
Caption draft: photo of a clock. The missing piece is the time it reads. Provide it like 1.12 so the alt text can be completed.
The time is 6.24
